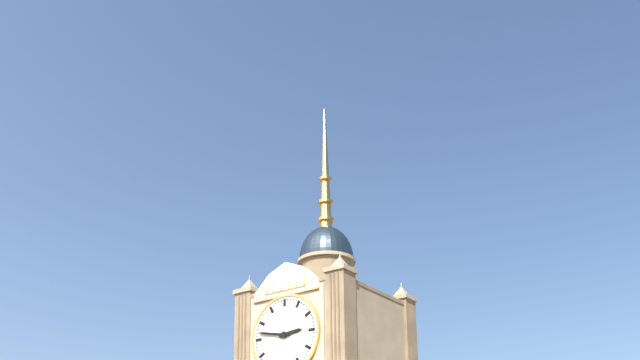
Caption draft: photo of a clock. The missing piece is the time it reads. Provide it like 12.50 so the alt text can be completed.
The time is 2.47
